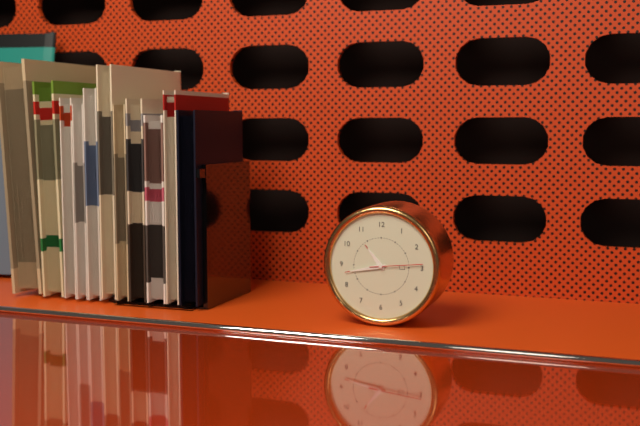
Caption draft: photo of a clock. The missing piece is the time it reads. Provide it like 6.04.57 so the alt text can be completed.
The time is 10.43.14
